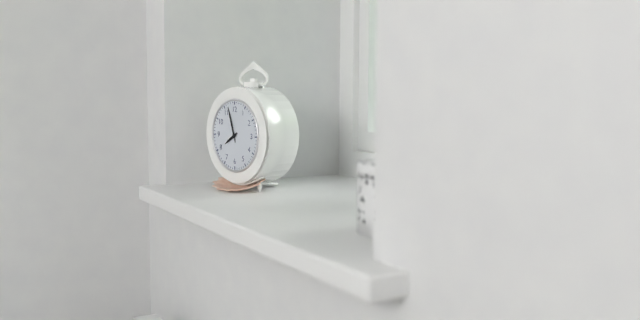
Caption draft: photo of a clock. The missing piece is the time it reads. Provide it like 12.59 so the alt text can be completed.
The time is 7.57
